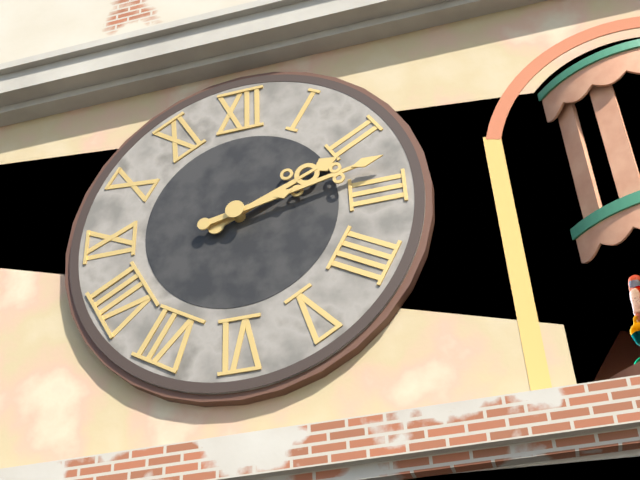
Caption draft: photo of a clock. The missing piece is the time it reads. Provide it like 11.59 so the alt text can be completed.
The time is 2.13
